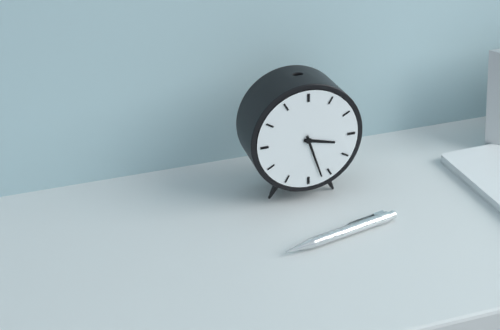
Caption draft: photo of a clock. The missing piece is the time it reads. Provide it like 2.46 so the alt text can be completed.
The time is 3.27
